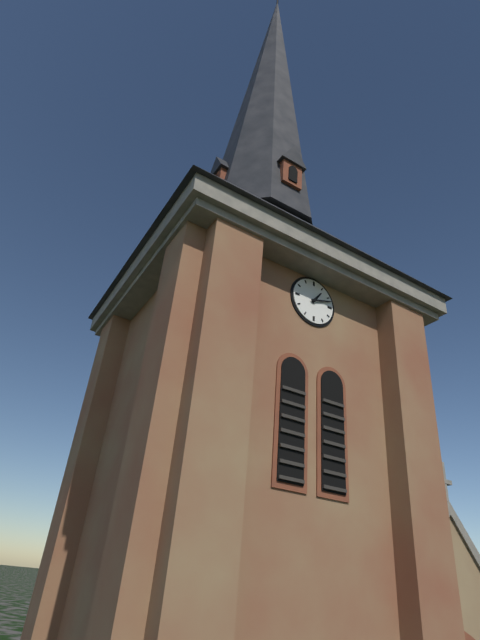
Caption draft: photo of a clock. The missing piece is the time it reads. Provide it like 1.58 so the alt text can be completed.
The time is 1.12
